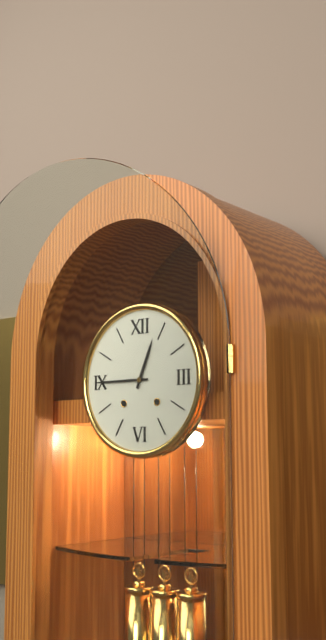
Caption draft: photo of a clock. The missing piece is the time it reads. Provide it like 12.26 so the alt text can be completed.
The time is 12.45
